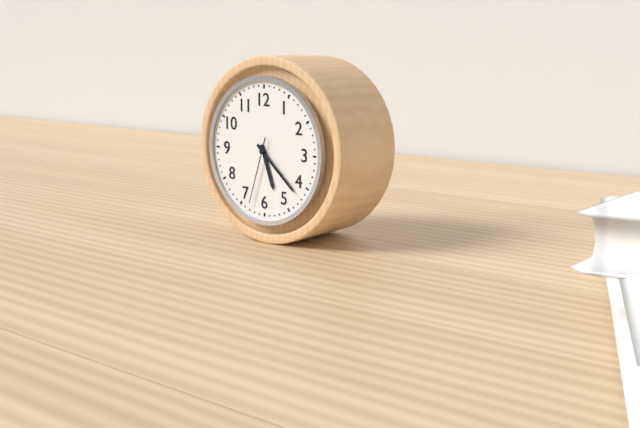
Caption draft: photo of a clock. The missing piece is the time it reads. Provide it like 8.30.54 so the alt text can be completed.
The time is 5.22.33
